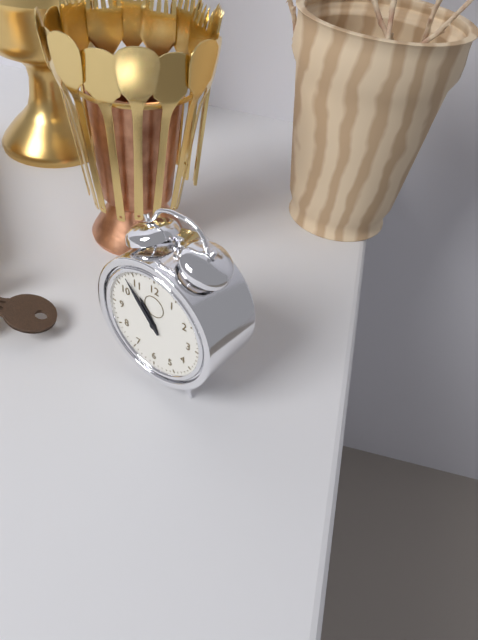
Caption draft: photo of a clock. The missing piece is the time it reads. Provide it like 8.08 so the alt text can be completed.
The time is 10.53
